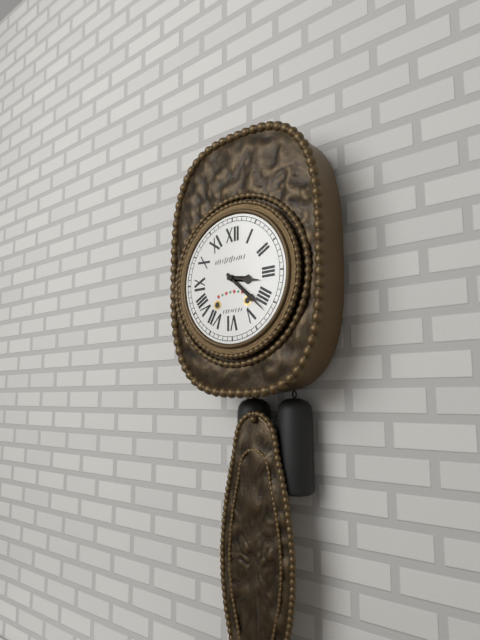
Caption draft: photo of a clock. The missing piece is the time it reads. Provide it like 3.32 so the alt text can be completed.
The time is 3.22
